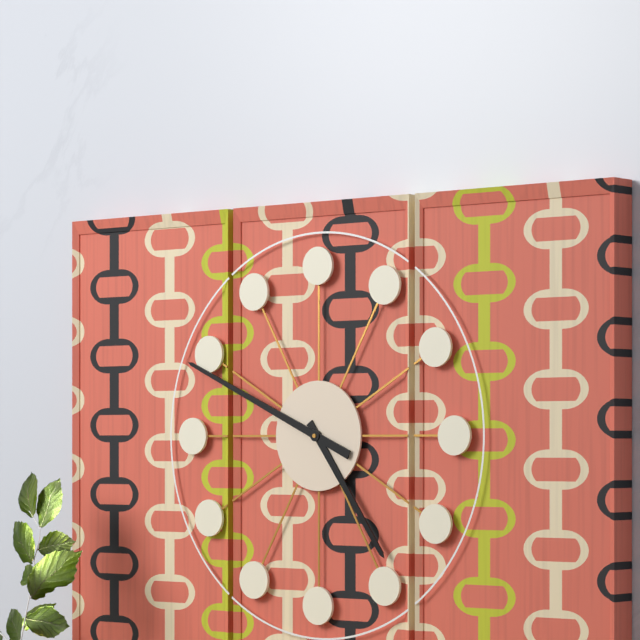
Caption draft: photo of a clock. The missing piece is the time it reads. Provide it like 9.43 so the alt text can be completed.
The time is 4.49
